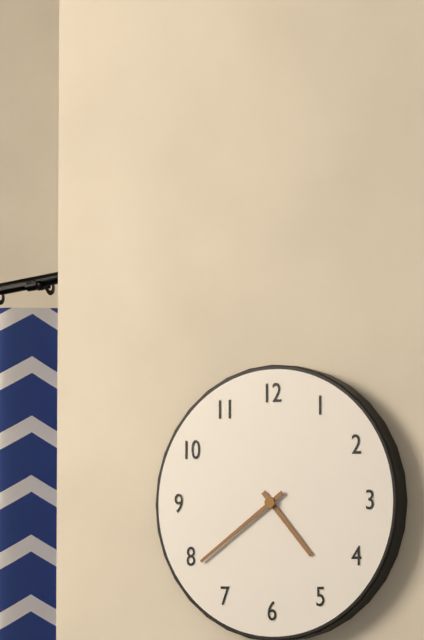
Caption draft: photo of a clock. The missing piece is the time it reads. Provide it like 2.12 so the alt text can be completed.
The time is 4.39
